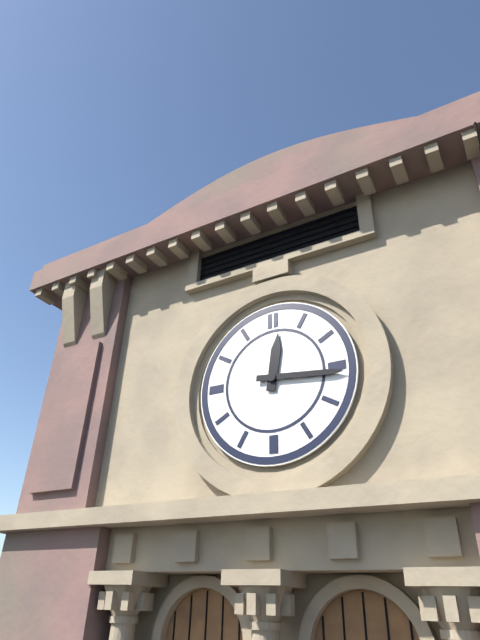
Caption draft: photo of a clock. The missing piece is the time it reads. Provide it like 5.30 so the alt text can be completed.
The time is 12.16
